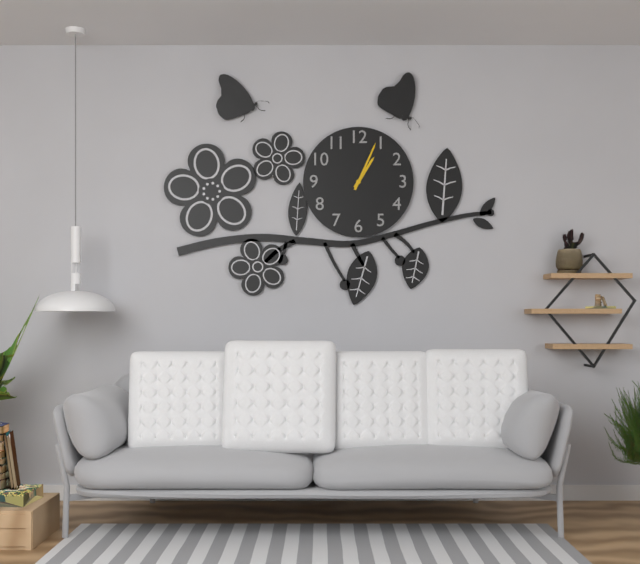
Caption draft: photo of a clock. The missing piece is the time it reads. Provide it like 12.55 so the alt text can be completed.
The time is 1.04
